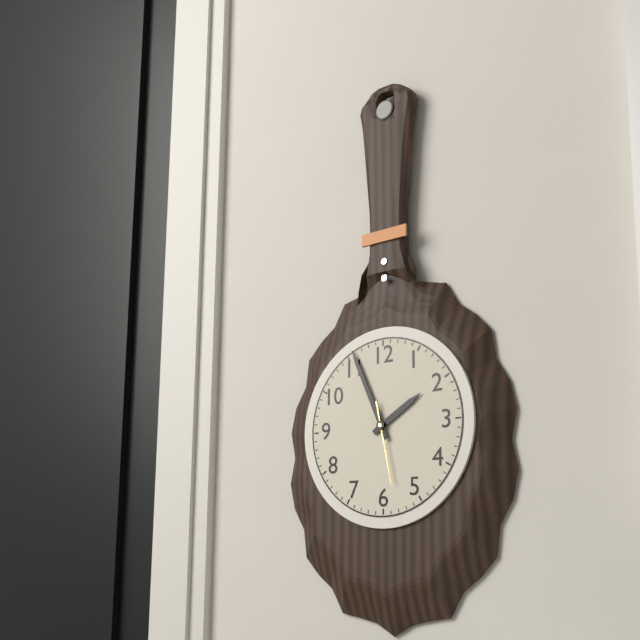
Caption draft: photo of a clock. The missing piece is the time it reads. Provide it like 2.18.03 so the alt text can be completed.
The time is 1.56.28
